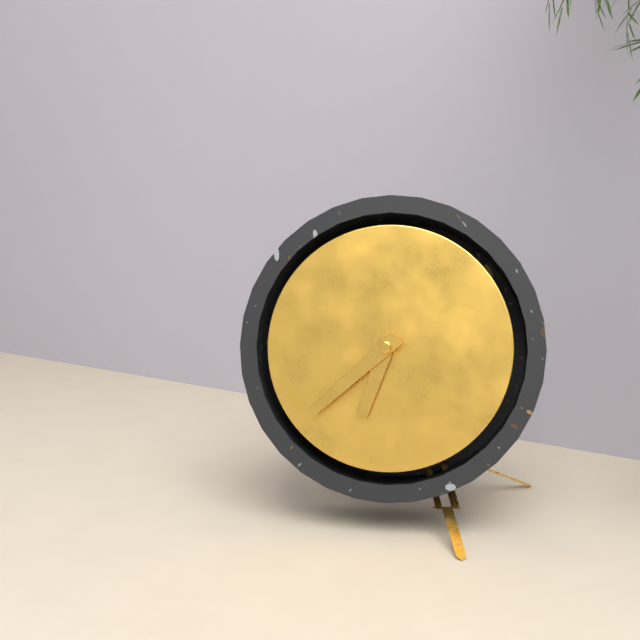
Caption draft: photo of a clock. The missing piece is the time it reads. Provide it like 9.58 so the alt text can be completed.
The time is 6.38
